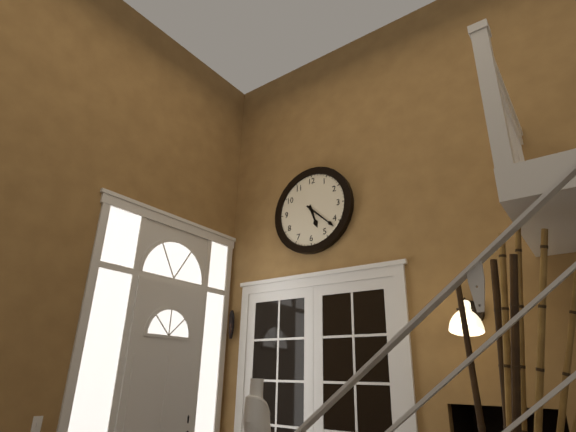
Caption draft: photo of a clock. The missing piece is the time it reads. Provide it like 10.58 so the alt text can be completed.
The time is 5.22
